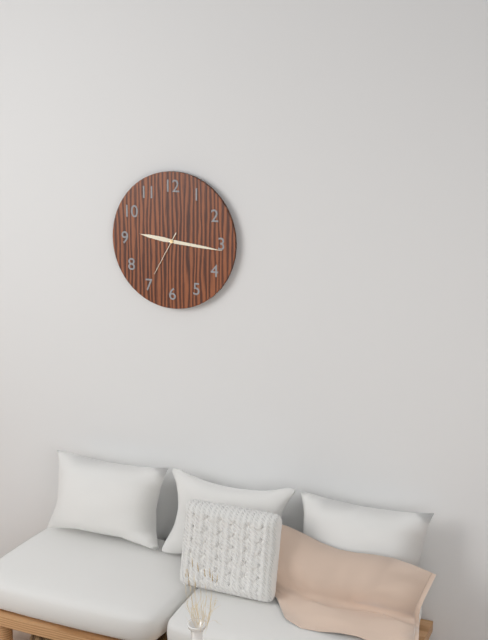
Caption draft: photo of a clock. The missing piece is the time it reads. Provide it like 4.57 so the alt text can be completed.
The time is 9.16
